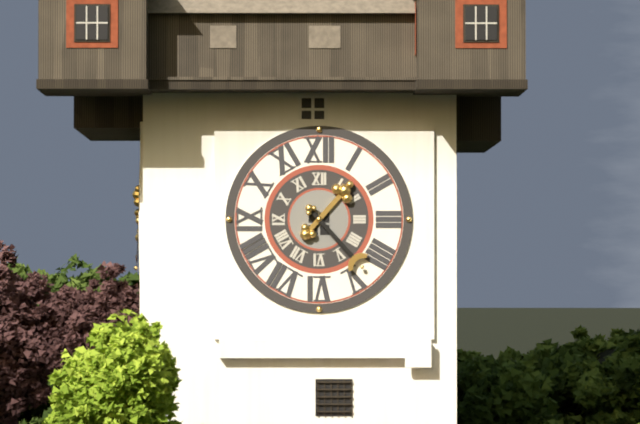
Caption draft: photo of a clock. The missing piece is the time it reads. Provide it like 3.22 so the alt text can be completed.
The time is 1.23
